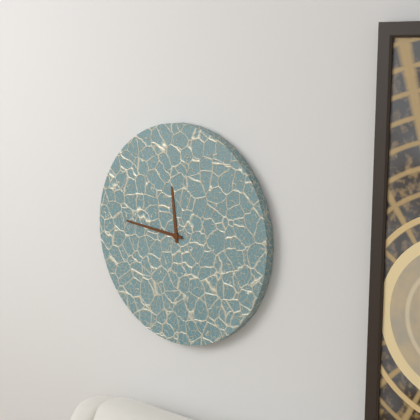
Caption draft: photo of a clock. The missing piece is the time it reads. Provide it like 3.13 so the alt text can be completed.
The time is 11.46
